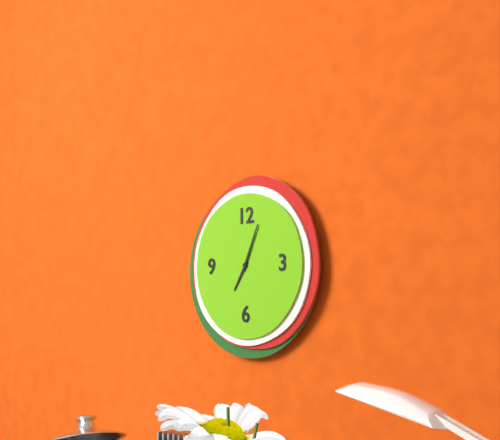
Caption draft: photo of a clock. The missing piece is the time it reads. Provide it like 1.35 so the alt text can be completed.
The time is 7.04
